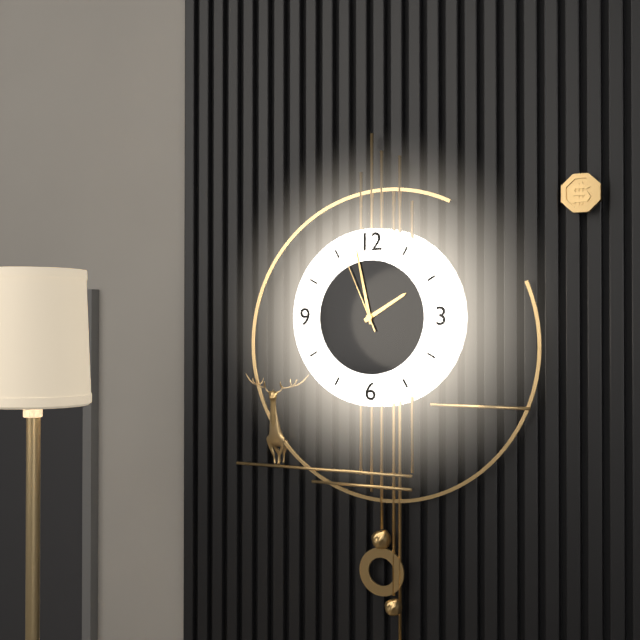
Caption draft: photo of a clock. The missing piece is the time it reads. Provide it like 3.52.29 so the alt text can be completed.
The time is 1.58.56
